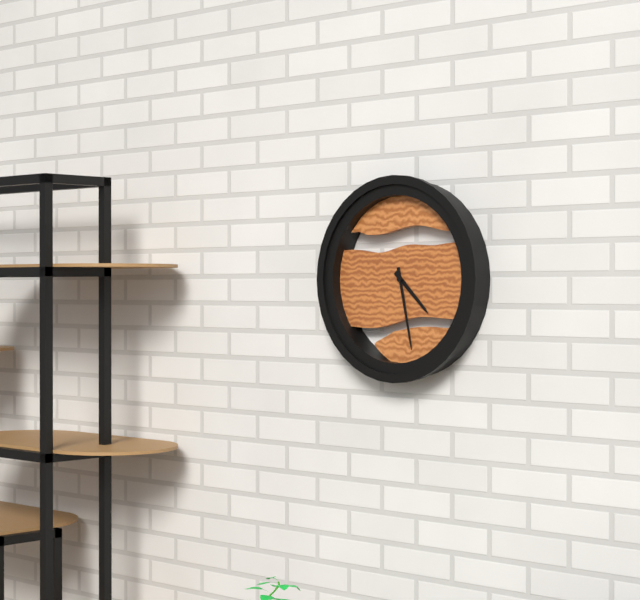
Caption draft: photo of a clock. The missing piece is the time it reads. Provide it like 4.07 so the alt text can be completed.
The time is 4.28
